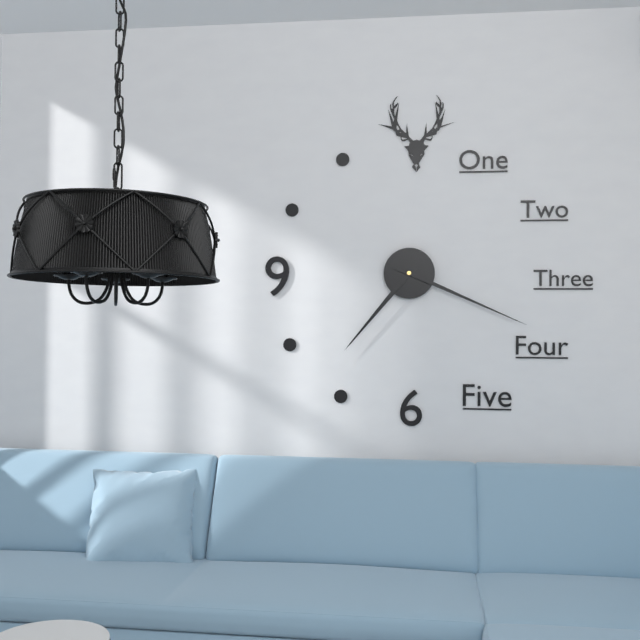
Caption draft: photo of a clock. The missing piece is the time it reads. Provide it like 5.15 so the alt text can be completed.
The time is 7.19
